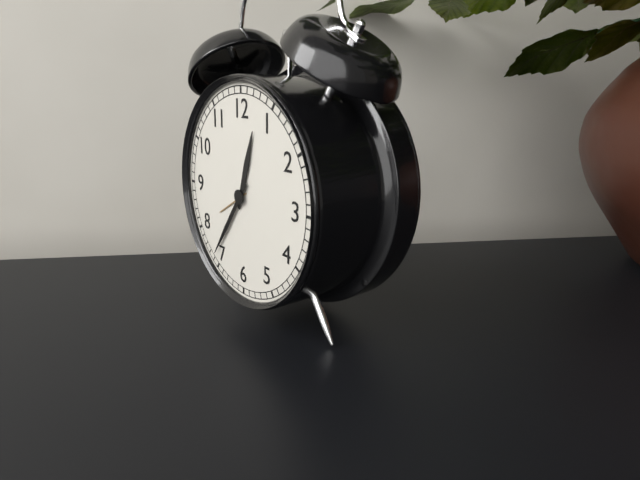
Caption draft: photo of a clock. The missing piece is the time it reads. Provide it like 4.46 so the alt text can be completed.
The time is 12.36
